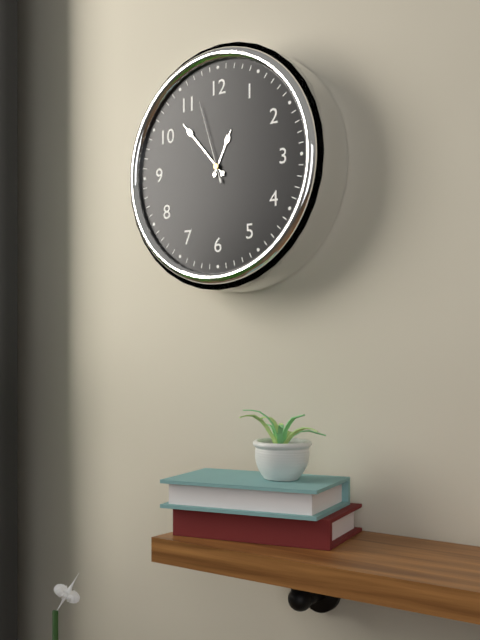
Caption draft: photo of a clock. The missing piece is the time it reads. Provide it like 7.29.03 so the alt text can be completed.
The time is 12.53.57
